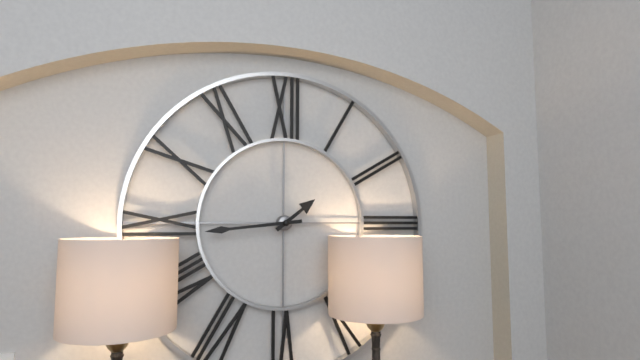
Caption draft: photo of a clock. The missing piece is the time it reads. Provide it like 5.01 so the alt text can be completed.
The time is 1.44
